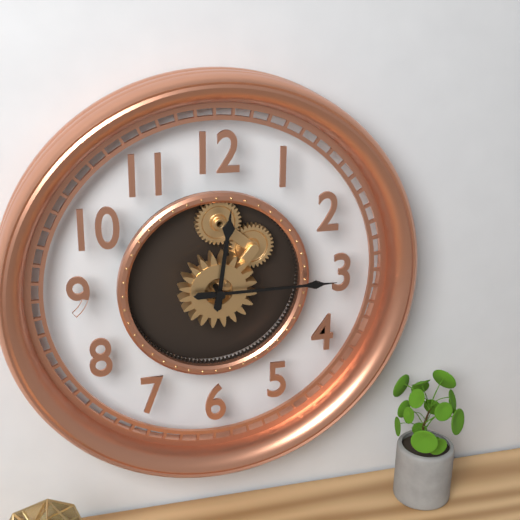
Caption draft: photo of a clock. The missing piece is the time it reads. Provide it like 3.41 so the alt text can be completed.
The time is 12.15
